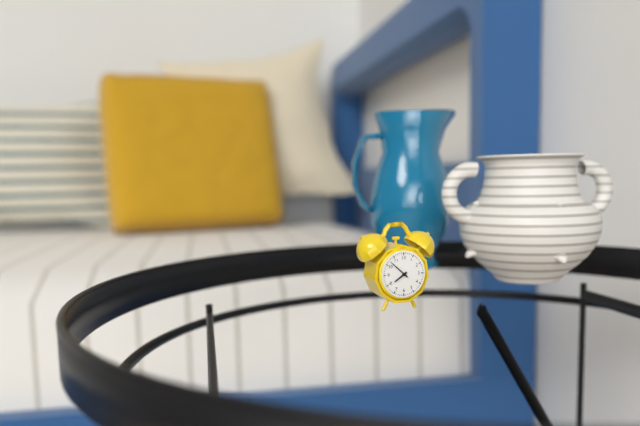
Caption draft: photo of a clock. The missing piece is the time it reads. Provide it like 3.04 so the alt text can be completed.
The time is 7.52
